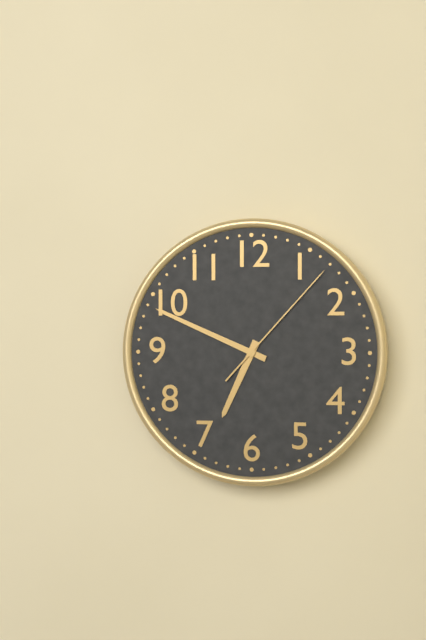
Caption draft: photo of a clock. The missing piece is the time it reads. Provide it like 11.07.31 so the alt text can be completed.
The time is 6.49.07
